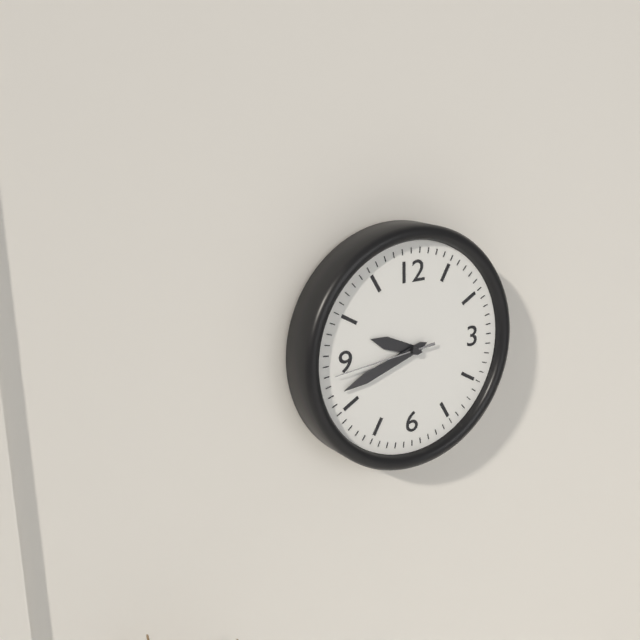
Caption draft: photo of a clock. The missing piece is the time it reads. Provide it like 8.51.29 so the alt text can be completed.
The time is 9.42.44
